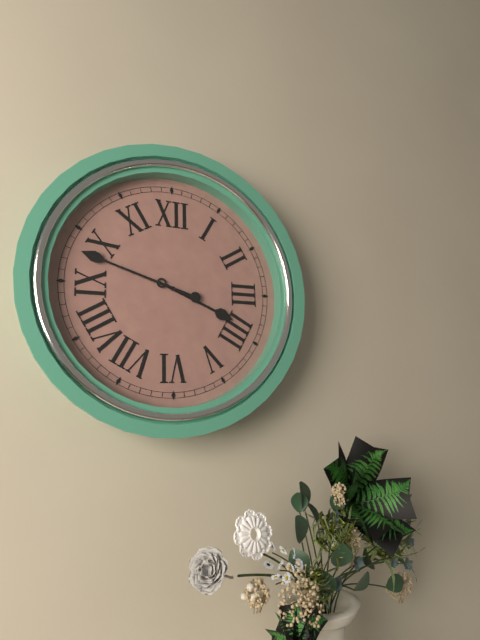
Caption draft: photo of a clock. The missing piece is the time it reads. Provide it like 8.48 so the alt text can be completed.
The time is 3.48
